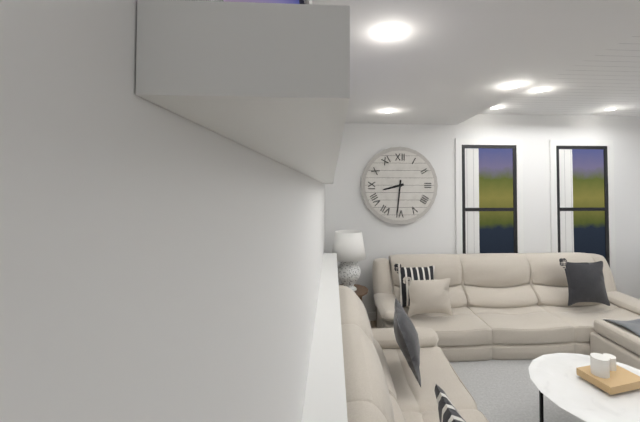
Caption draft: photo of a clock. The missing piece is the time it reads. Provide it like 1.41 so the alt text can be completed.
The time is 8.31
